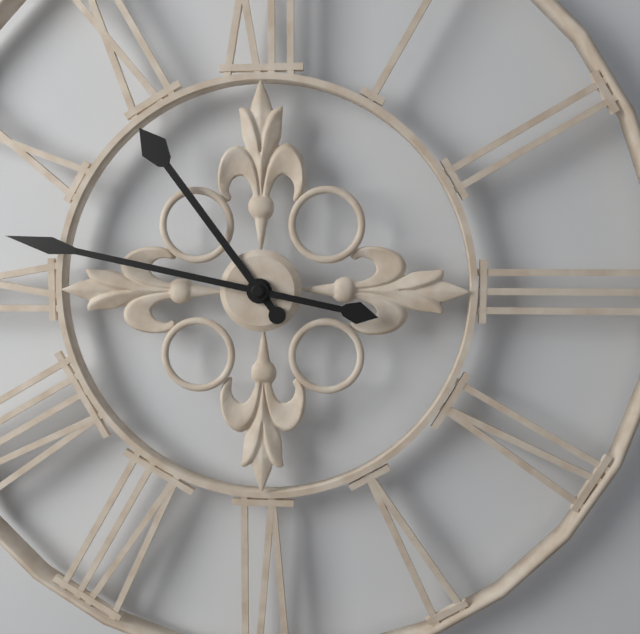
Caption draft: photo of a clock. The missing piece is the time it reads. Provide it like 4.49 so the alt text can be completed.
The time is 10.47
